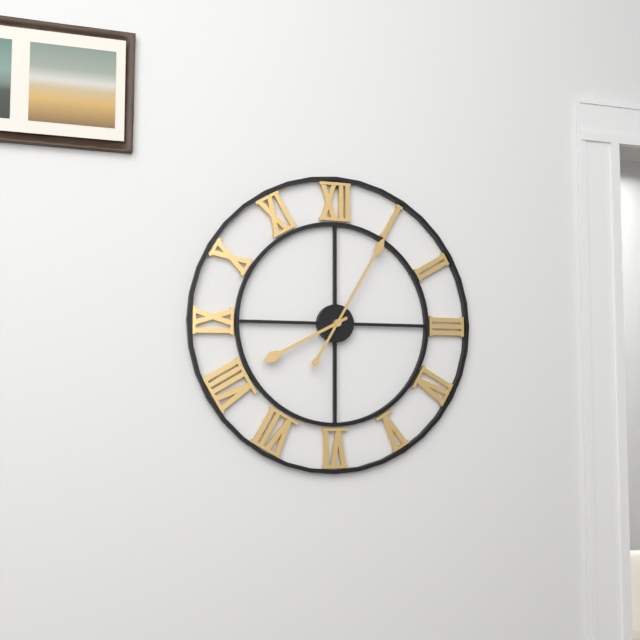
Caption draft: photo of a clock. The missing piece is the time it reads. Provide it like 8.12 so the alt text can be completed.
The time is 8.05
